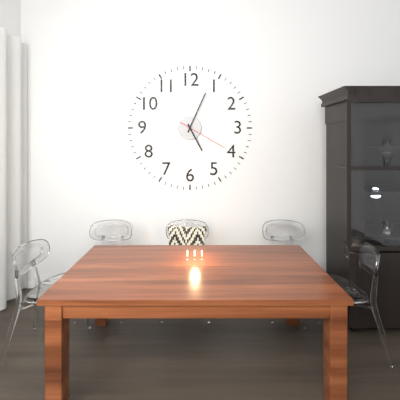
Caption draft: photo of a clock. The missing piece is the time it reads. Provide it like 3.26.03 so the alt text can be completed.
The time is 5.04.20
